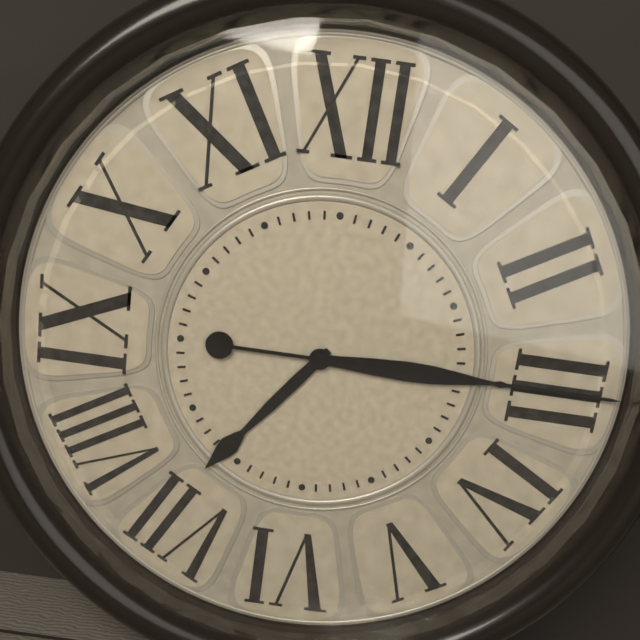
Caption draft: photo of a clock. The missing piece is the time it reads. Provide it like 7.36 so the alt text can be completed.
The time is 7.15
